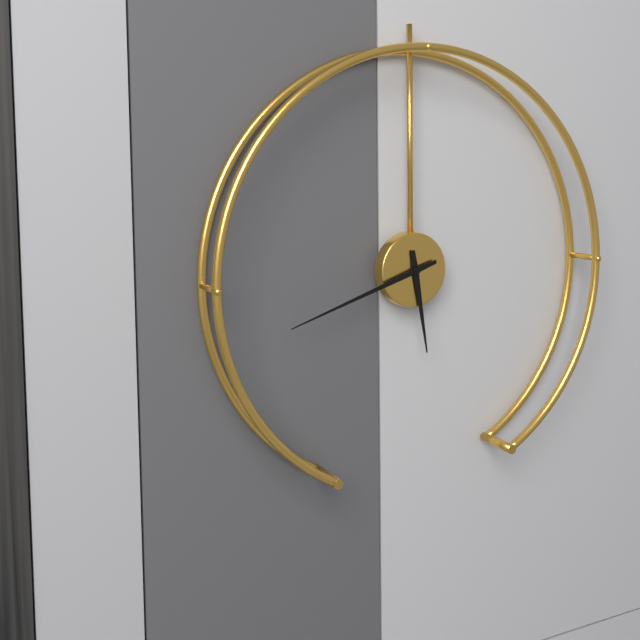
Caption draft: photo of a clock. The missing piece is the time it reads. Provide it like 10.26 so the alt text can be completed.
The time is 5.42
